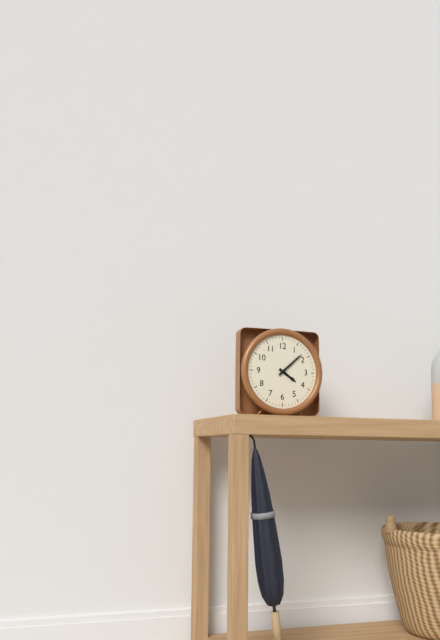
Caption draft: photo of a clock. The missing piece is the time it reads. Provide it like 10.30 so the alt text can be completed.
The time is 4.08
